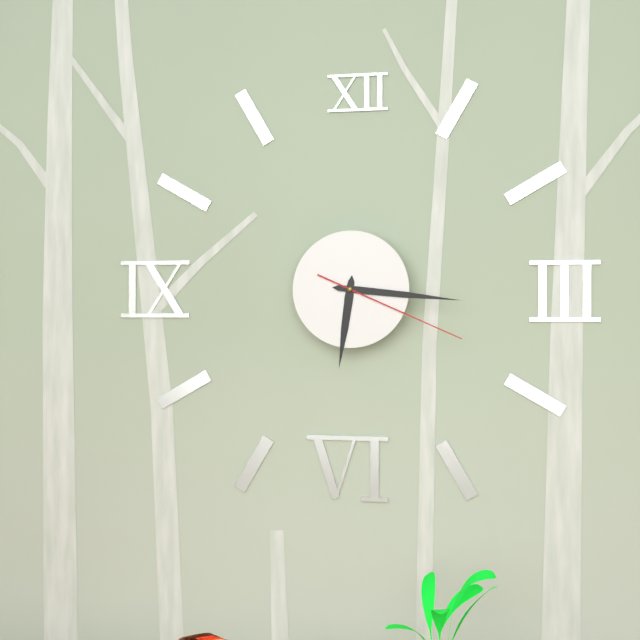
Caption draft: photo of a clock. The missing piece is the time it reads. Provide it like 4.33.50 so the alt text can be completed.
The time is 6.16.19
